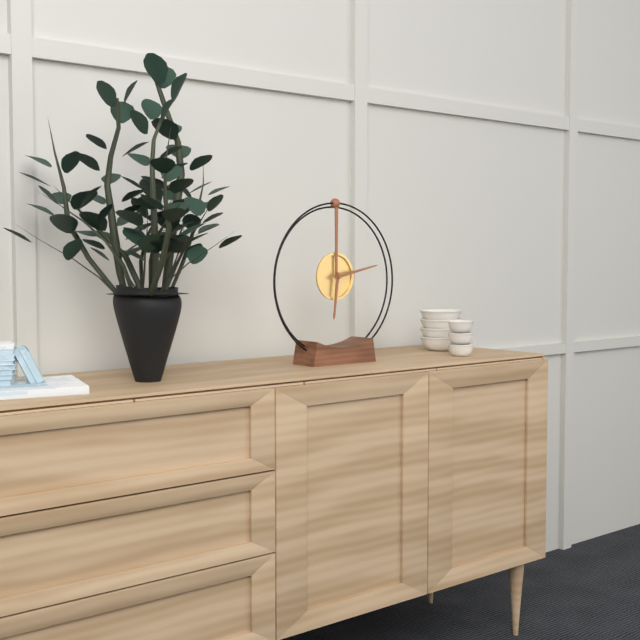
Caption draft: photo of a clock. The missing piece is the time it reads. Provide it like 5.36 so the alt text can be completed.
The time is 6.13
